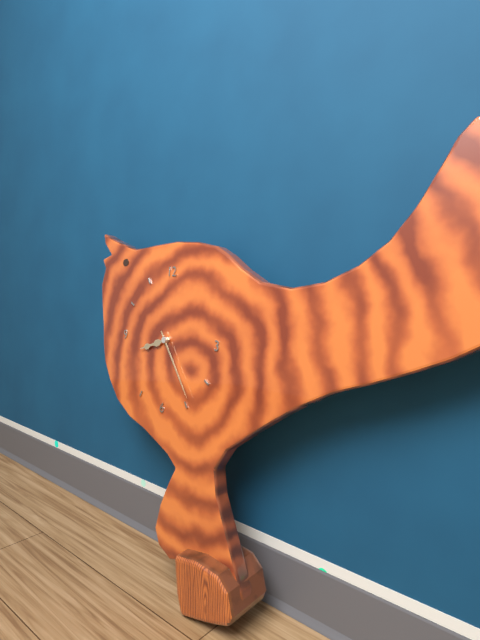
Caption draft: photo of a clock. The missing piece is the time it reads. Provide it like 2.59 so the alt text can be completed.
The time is 8.24
